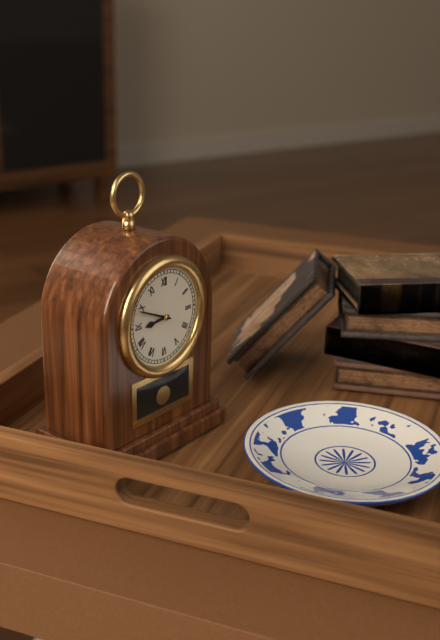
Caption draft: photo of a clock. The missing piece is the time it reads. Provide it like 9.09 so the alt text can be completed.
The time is 8.49
